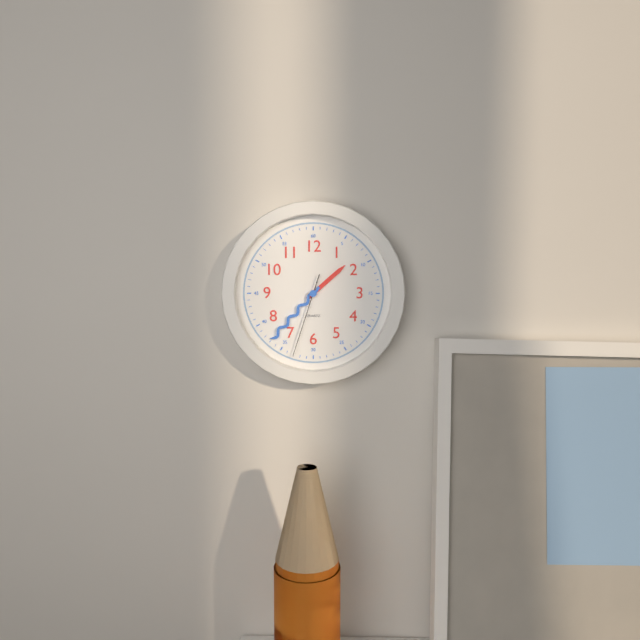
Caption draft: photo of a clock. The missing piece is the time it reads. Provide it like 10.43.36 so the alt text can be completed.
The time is 1.37.33
